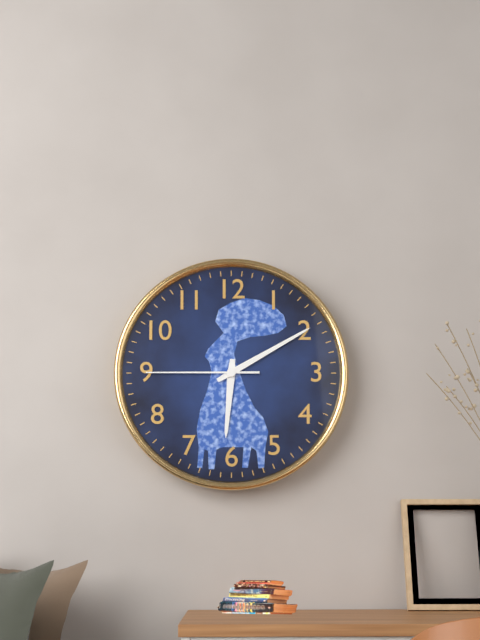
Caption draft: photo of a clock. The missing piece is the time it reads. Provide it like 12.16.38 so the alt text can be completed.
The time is 6.10.45
